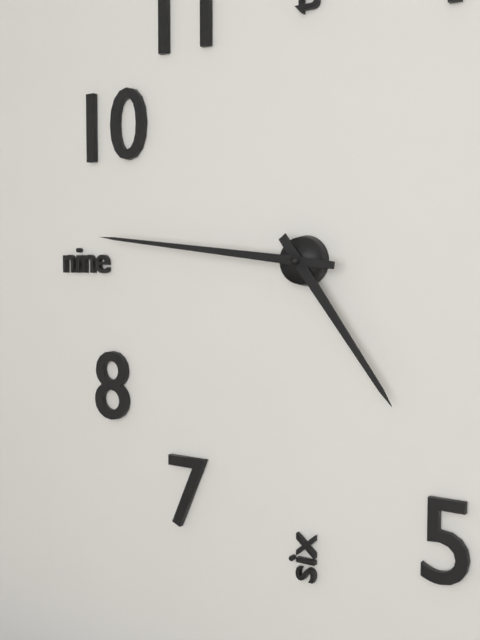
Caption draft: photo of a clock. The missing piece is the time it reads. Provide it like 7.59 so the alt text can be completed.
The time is 4.46
